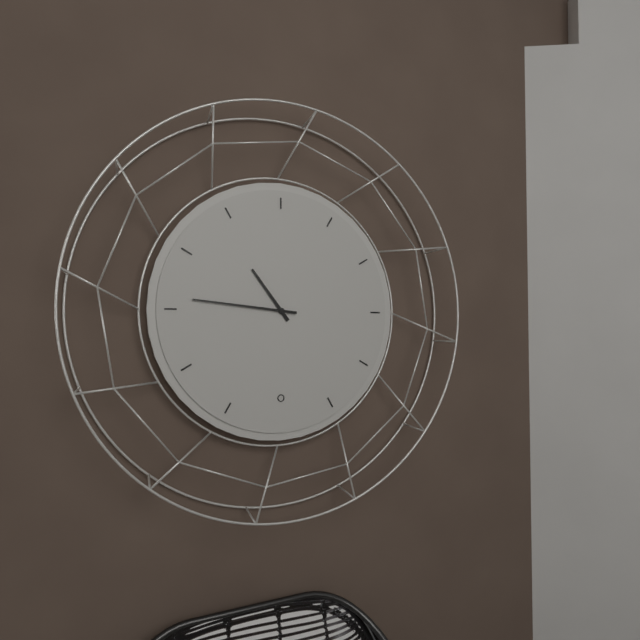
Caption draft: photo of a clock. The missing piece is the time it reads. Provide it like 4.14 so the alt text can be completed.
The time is 10.46
